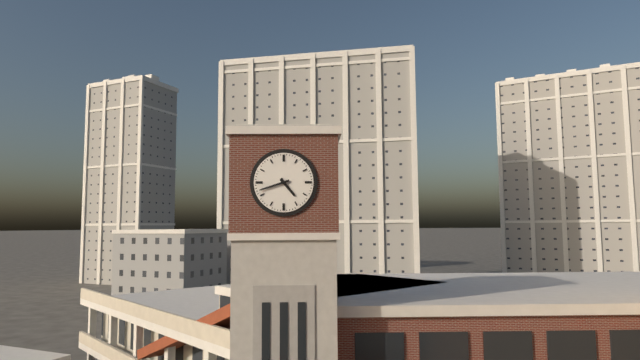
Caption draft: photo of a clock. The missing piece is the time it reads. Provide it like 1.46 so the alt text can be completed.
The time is 4.42
